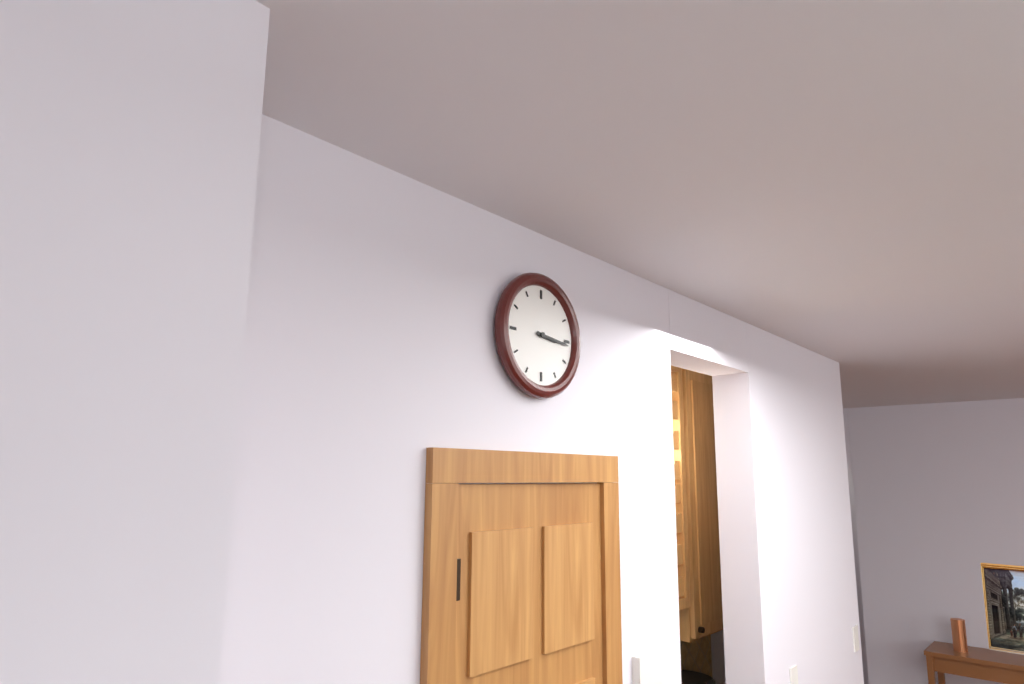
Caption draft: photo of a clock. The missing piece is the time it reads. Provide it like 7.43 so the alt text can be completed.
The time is 3.16
